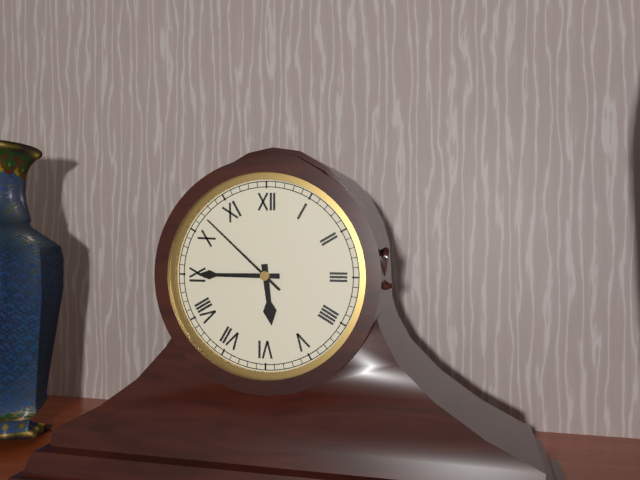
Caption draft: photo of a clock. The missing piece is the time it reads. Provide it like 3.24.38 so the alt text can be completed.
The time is 5.45.52
